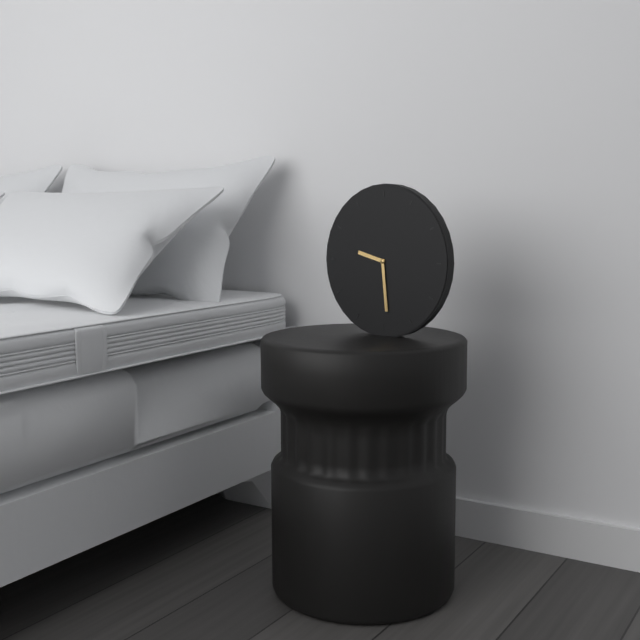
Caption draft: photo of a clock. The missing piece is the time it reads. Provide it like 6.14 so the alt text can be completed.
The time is 9.29
